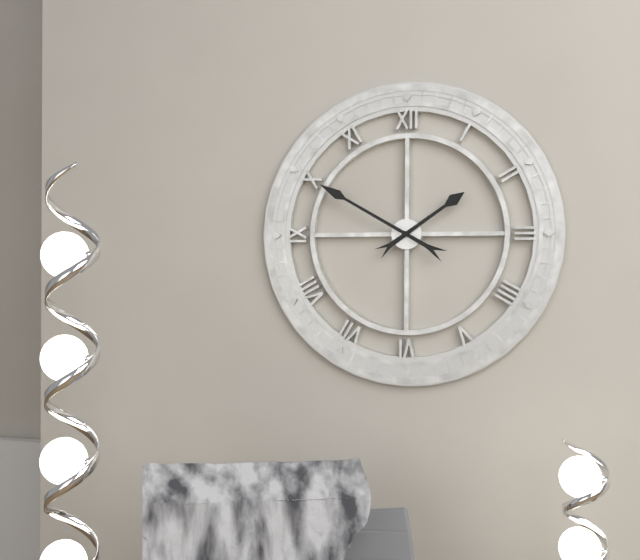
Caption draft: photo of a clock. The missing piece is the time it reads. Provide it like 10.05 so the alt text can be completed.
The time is 1.50
